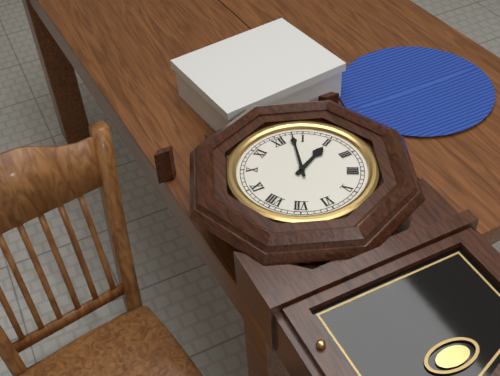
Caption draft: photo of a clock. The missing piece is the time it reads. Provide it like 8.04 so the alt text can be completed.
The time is 2.03
